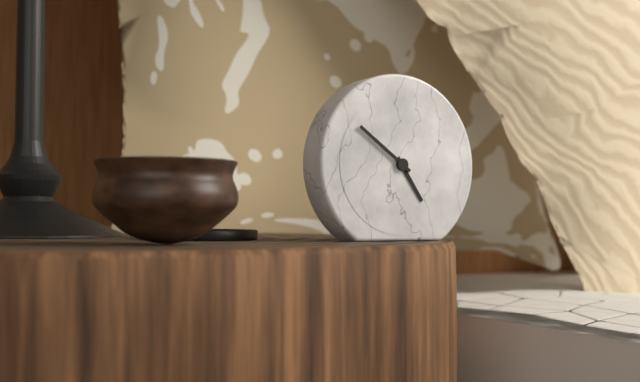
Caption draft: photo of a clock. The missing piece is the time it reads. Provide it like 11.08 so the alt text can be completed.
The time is 4.51
